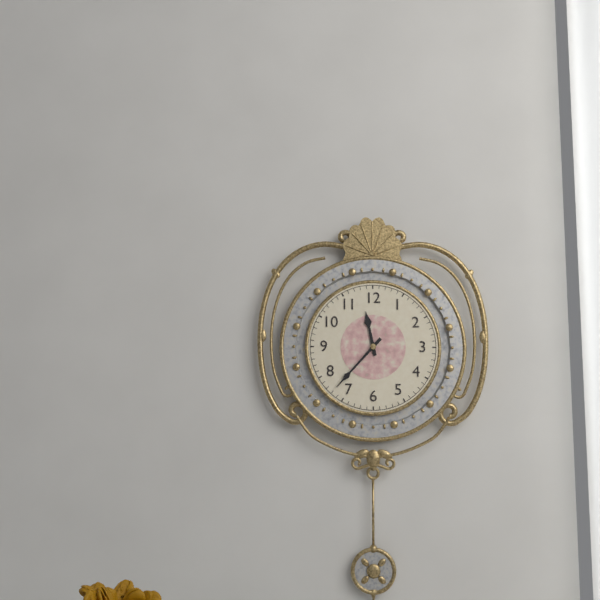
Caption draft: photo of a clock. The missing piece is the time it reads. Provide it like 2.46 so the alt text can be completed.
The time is 11.37
